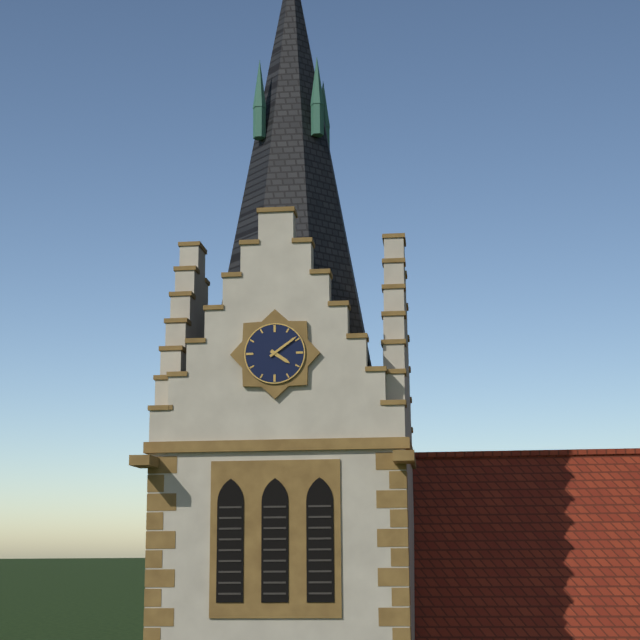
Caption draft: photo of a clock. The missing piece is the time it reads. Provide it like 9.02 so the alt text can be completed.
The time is 4.09
